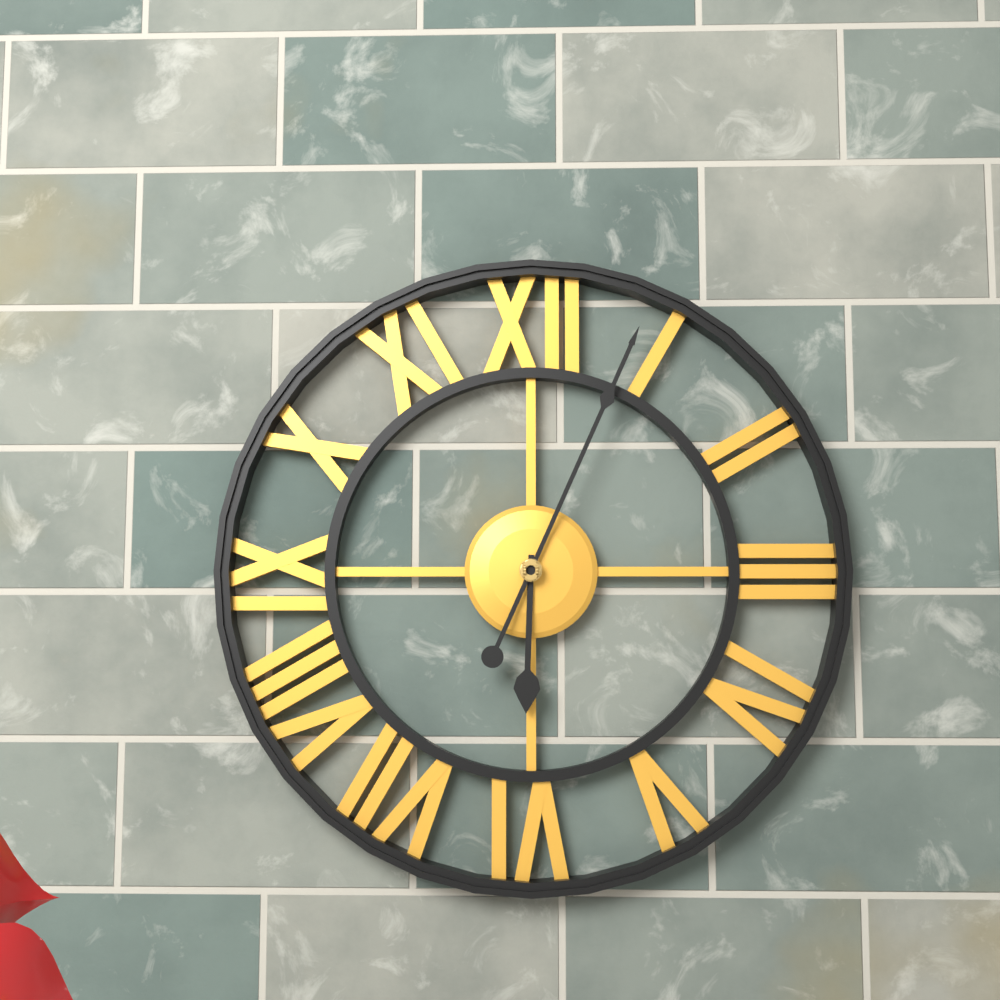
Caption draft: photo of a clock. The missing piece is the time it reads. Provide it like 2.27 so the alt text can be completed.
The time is 6.04
